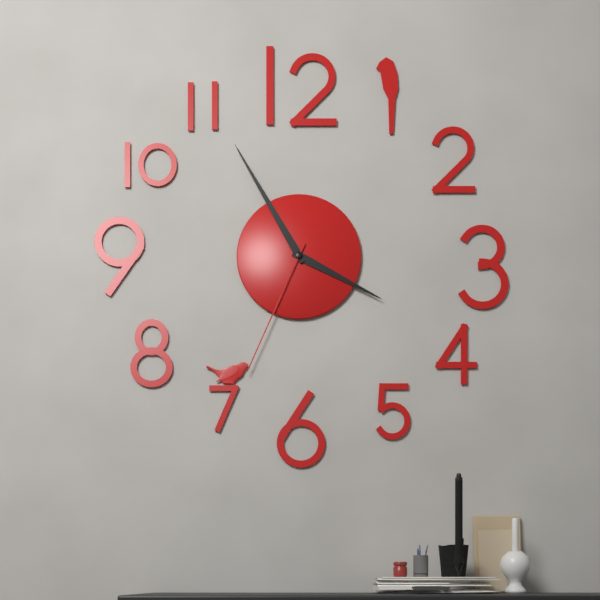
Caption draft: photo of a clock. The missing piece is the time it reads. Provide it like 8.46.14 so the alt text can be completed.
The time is 3.55.34
